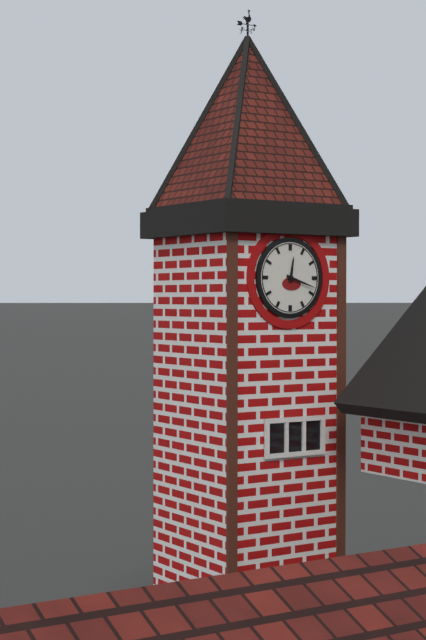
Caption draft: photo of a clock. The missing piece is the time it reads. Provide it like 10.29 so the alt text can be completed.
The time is 12.18
